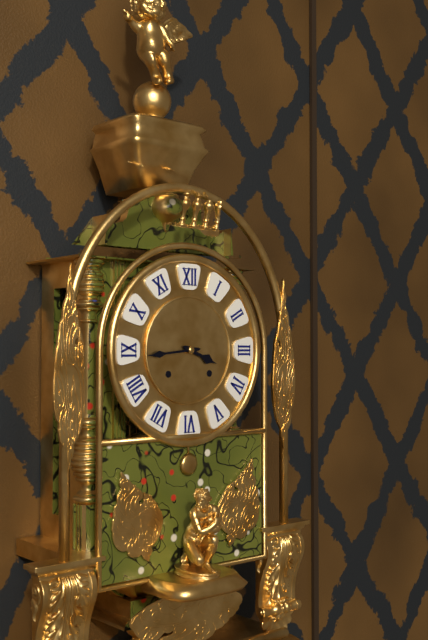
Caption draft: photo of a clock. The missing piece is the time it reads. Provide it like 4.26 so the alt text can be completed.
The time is 3.44
